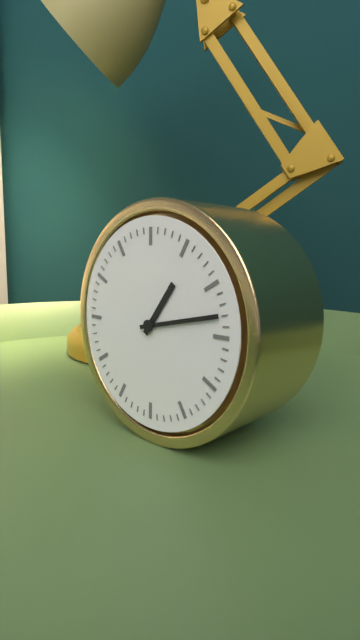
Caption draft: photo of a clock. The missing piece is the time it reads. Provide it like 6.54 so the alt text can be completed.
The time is 1.13
